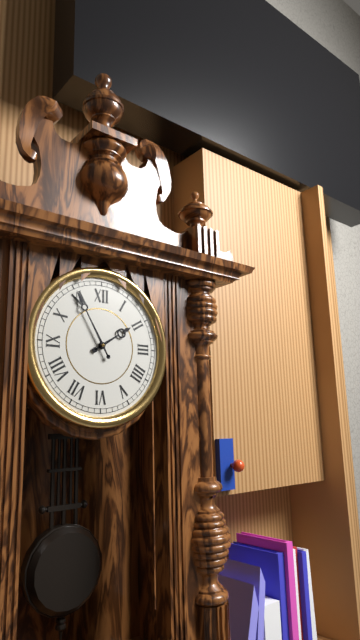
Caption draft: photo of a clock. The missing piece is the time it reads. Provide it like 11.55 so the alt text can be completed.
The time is 1.55
